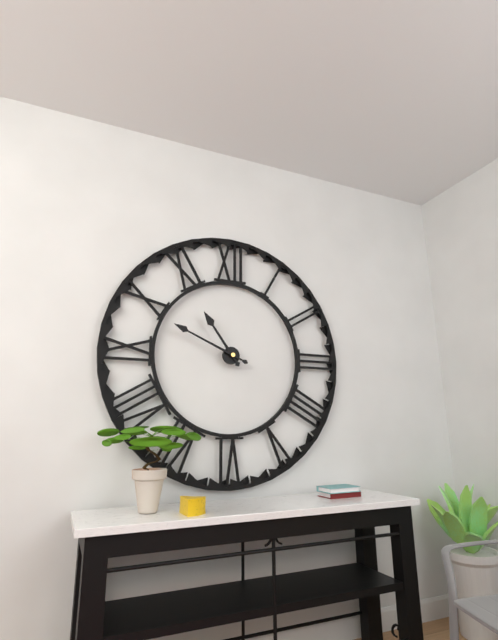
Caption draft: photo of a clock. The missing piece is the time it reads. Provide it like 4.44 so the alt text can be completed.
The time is 10.49
